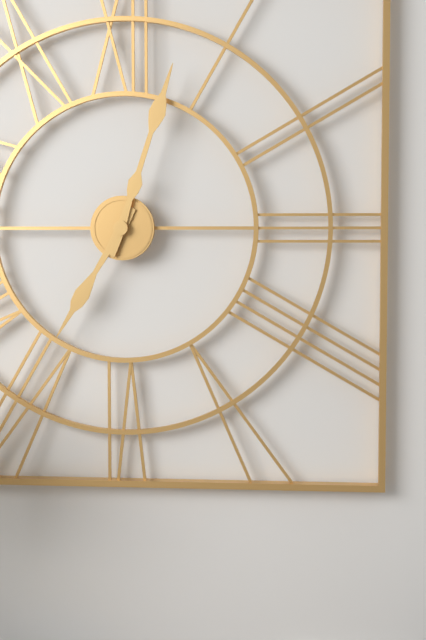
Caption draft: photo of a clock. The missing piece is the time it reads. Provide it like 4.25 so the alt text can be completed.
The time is 7.03
